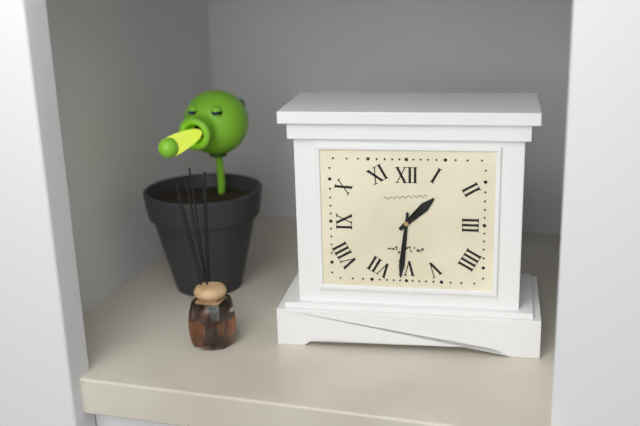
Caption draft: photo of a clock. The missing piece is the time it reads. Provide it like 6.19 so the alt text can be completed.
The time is 1.31
